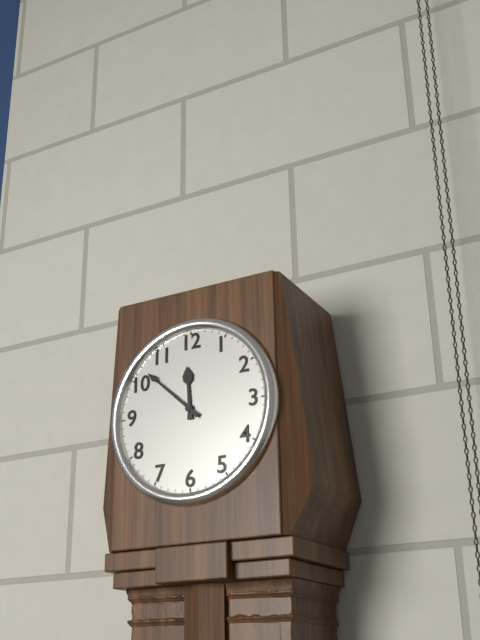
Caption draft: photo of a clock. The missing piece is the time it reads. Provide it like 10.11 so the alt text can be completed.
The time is 11.52
